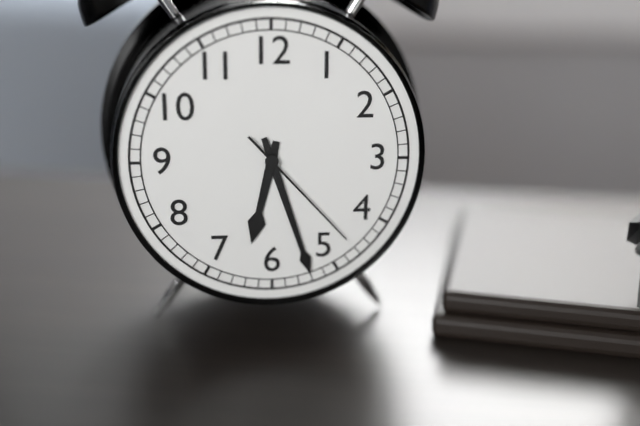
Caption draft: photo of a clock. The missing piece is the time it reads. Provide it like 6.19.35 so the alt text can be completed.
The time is 6.27.23
